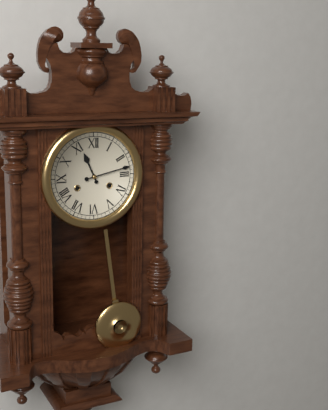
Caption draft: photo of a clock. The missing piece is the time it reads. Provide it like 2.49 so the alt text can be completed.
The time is 11.13
